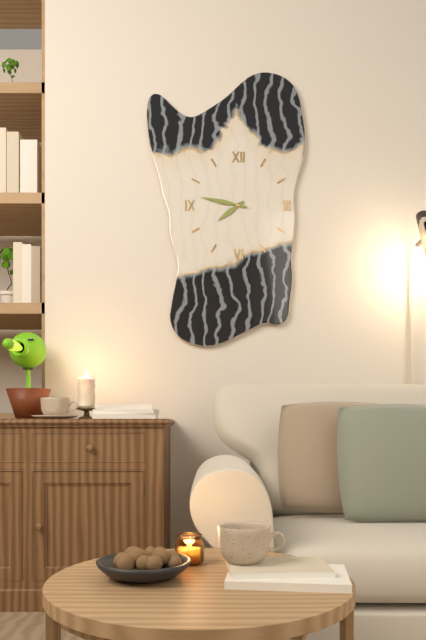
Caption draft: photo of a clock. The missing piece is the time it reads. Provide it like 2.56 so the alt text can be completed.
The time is 7.47
